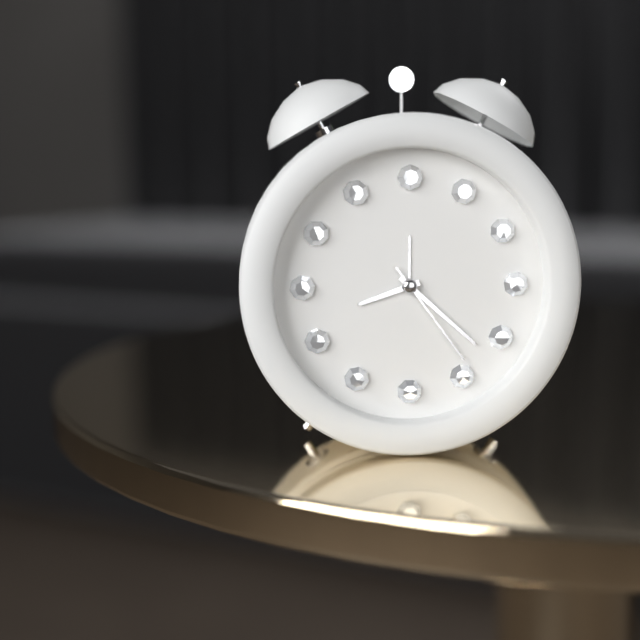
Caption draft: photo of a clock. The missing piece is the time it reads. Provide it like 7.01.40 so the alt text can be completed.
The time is 8.22.24
